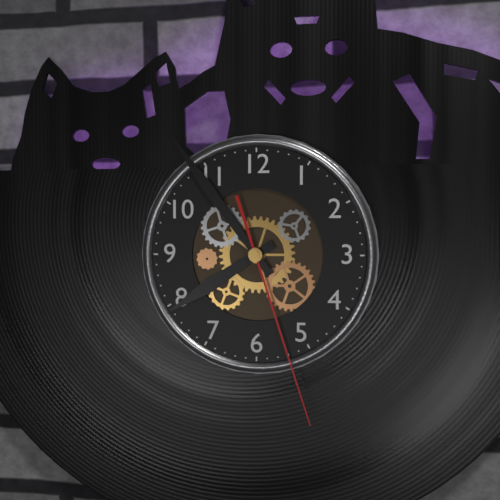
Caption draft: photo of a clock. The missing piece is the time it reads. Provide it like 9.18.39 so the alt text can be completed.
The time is 7.54.27
